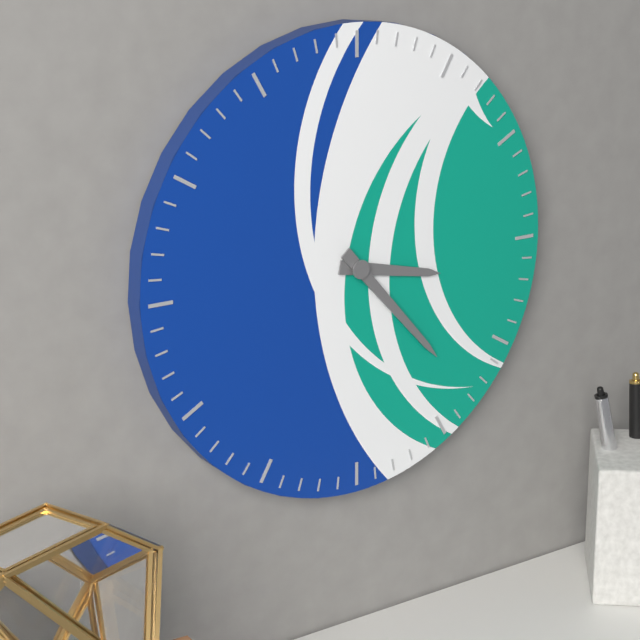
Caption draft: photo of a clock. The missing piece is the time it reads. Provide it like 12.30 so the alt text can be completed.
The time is 3.23
